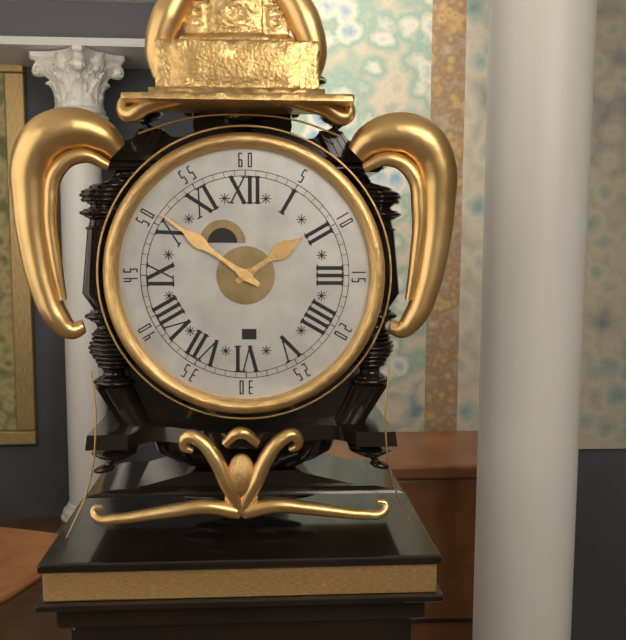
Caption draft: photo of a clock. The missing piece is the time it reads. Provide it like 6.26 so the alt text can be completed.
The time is 1.51
